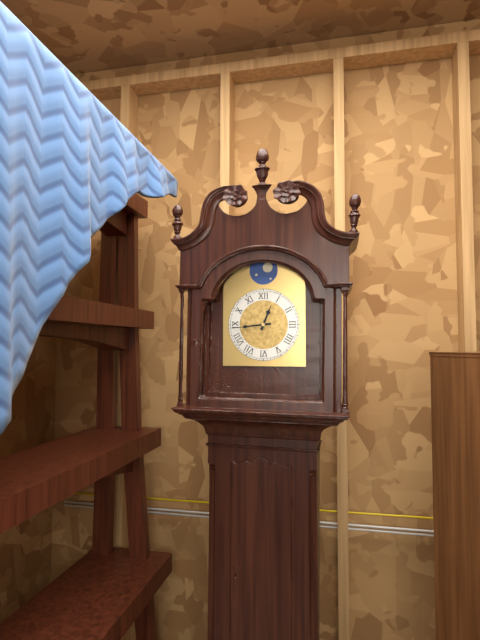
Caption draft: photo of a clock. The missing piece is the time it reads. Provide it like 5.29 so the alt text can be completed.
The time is 12.44
